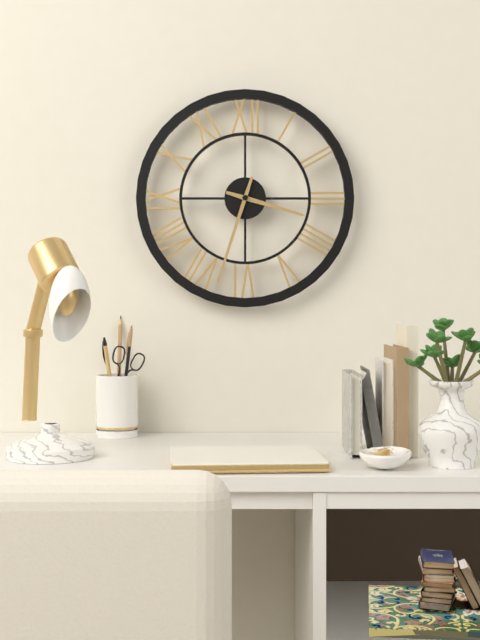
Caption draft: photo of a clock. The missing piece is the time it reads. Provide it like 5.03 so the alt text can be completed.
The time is 3.33
